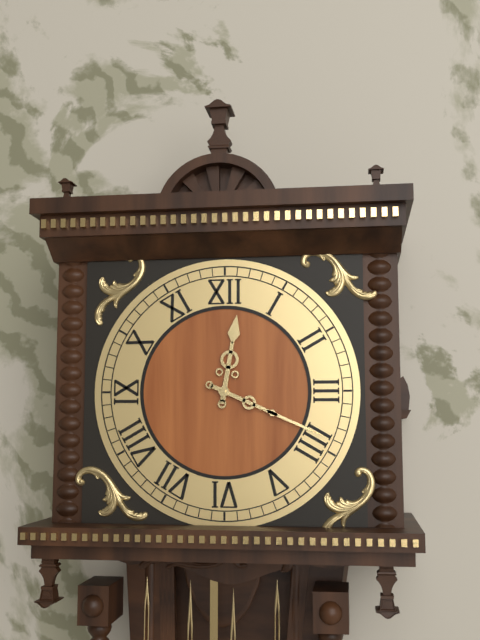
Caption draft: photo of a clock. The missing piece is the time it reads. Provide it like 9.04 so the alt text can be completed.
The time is 12.19
